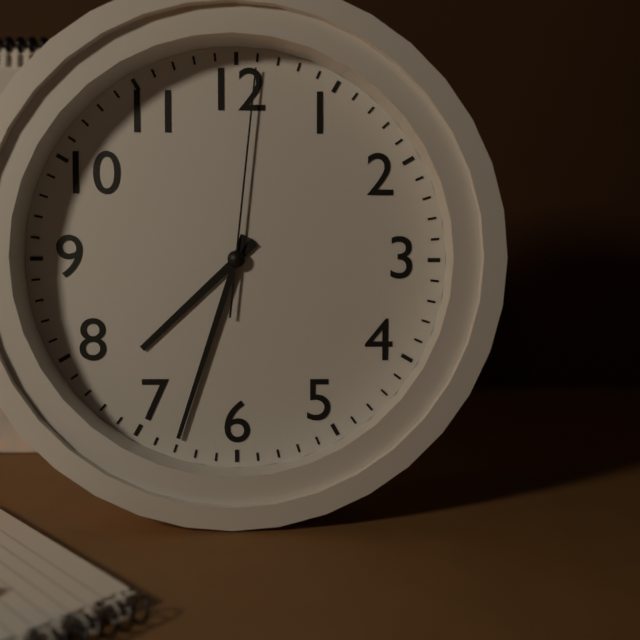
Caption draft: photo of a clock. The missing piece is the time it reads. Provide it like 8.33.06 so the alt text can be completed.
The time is 7.33.01
